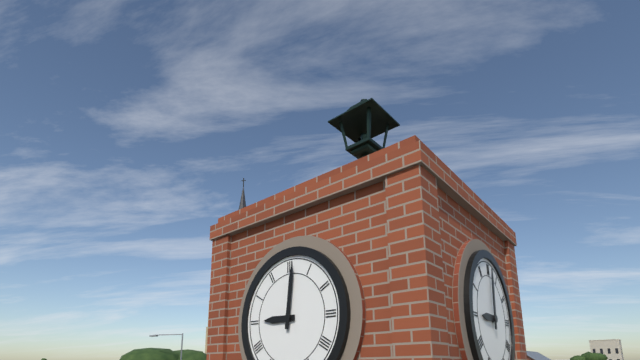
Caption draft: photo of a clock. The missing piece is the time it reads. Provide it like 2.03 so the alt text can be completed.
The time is 9.01
